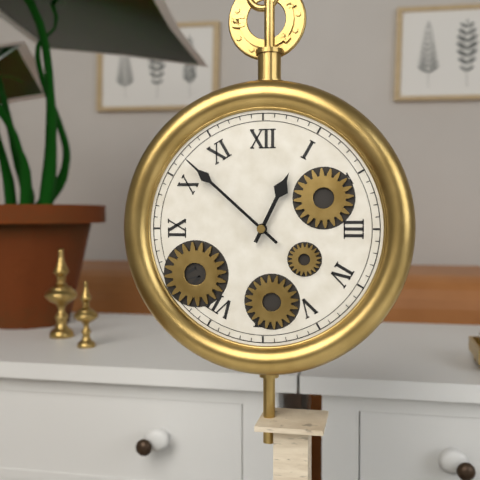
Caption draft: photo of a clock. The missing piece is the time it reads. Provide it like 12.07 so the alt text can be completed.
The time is 12.52
